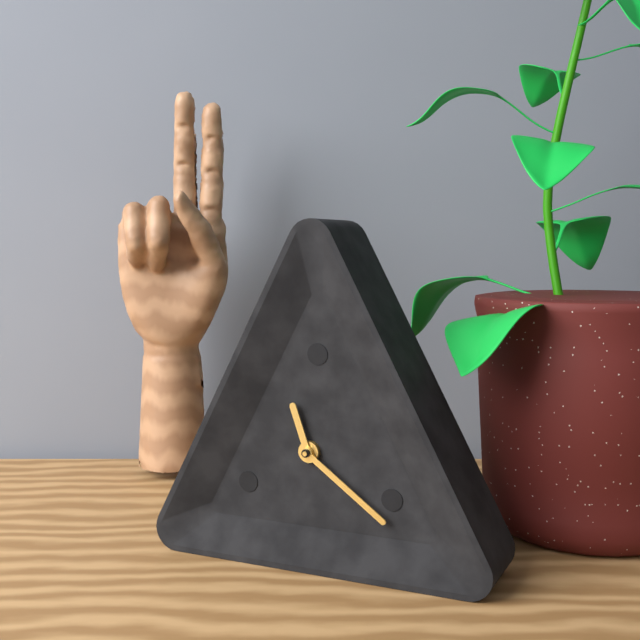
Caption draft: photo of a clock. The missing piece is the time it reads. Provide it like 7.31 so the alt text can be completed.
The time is 11.21
